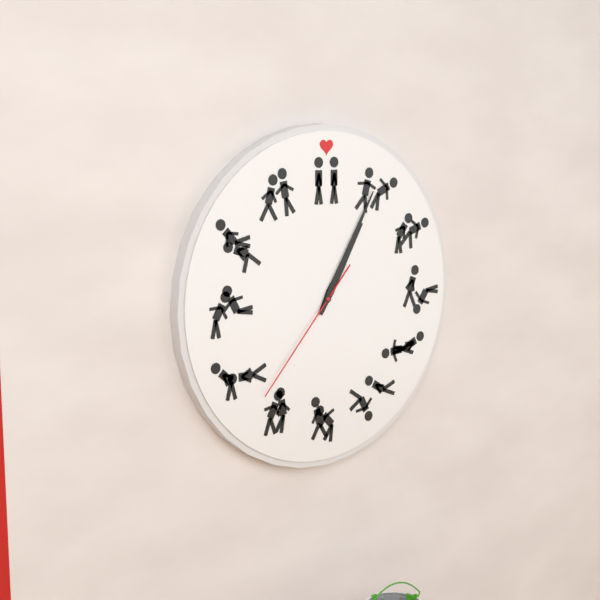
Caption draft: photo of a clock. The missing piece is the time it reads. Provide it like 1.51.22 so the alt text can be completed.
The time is 1.05.37
